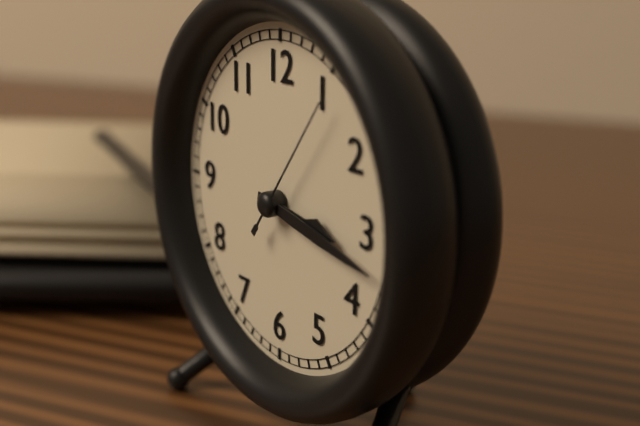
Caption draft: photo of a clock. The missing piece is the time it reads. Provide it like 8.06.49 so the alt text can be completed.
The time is 3.17.06
